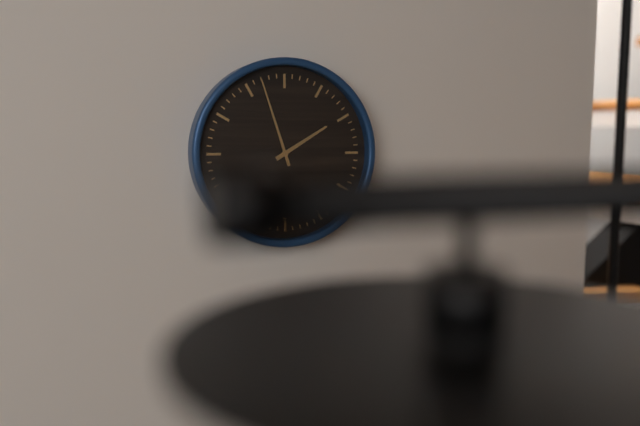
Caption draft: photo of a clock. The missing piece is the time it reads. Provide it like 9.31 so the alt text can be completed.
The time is 1.57
